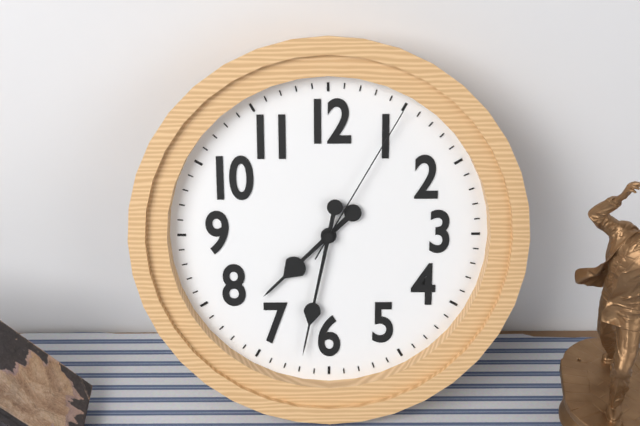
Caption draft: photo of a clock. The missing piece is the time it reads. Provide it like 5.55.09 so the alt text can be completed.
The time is 7.32.05
